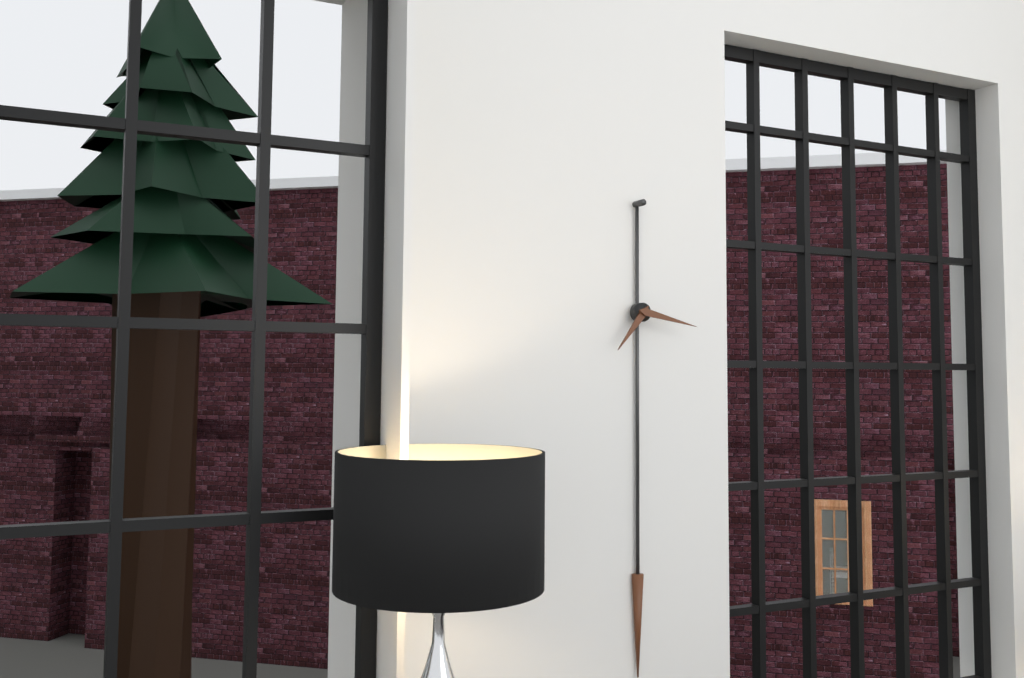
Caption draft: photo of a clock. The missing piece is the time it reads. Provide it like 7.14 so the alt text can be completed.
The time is 7.17
